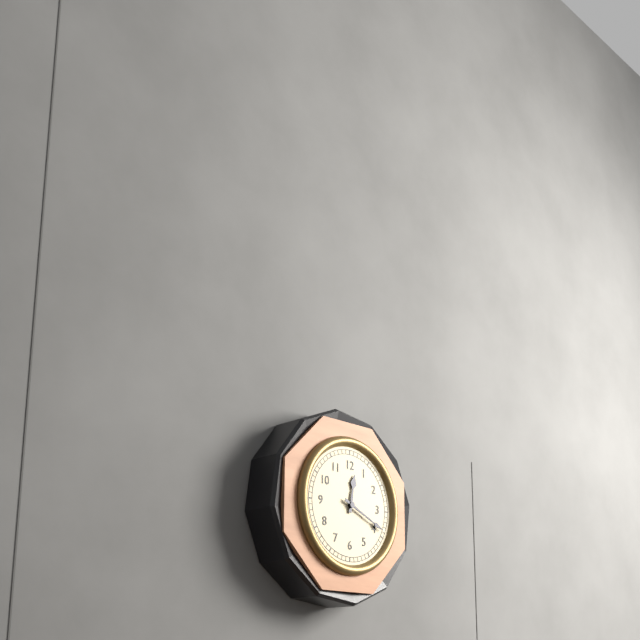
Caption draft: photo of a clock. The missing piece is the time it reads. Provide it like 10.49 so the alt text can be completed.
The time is 12.19
